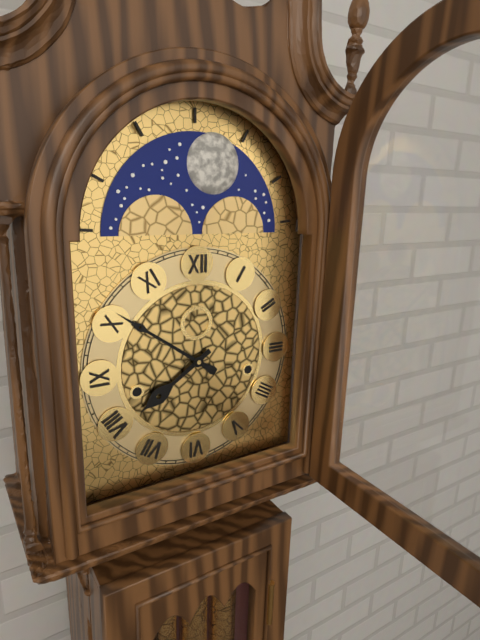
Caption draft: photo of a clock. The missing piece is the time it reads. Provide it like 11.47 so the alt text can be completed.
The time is 7.51
